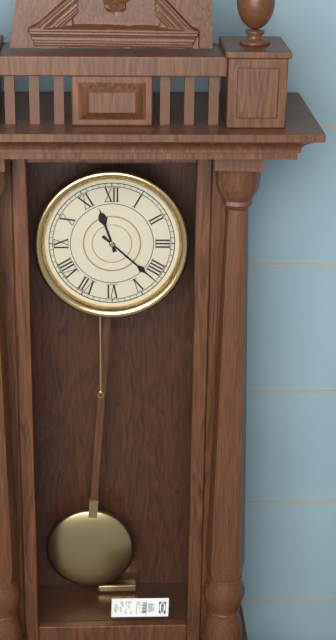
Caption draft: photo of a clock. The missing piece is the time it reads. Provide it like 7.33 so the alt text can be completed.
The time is 11.22
